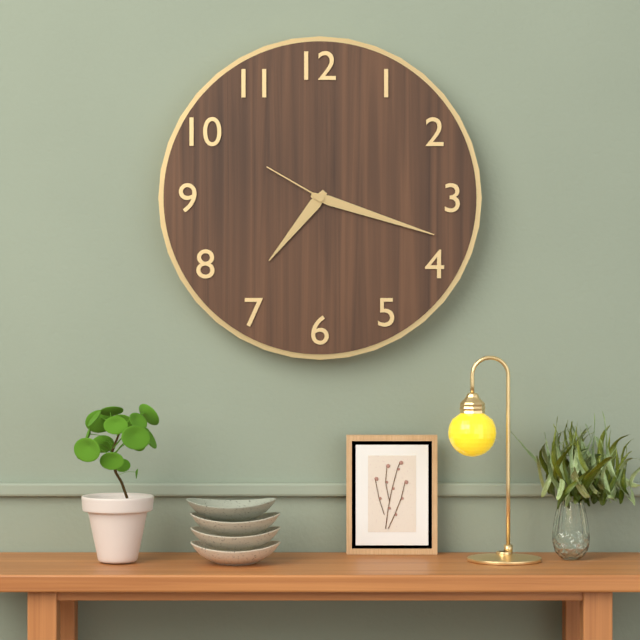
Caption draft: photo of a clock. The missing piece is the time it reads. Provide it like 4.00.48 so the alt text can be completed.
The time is 7.18.50
